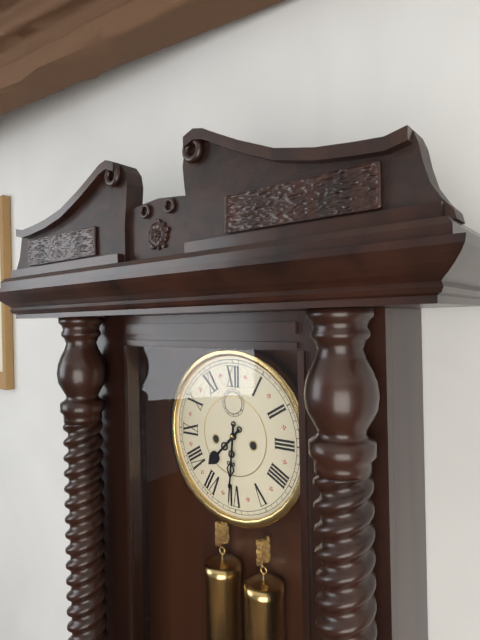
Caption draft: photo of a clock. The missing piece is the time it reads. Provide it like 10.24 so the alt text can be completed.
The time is 7.31
